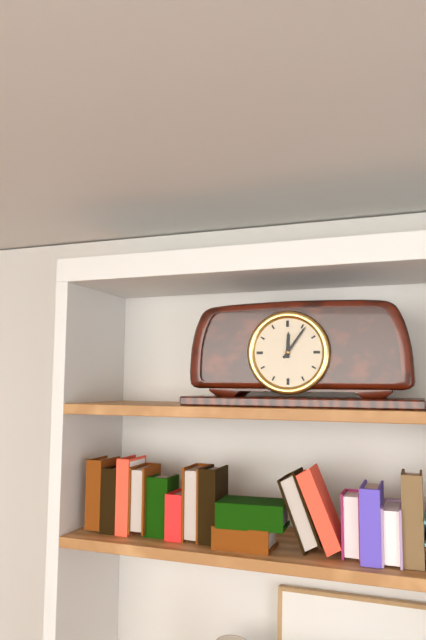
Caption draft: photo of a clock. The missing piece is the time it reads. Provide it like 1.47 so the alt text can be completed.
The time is 12.06
